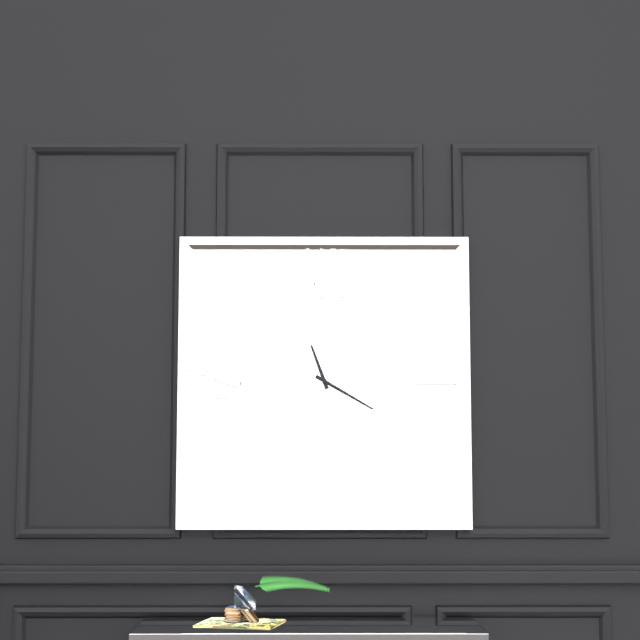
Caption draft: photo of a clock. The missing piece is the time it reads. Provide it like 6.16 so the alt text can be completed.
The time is 11.20
